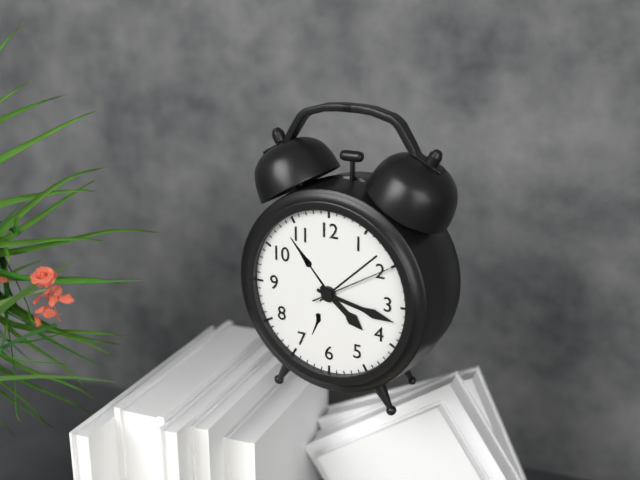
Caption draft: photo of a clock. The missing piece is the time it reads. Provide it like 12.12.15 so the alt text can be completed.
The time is 4.17.10
